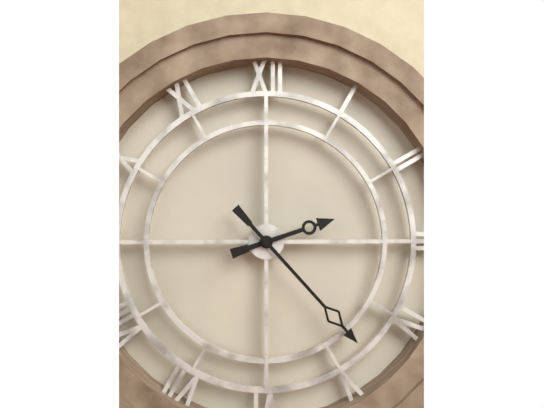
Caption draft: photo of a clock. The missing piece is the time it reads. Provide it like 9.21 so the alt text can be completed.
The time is 2.23
